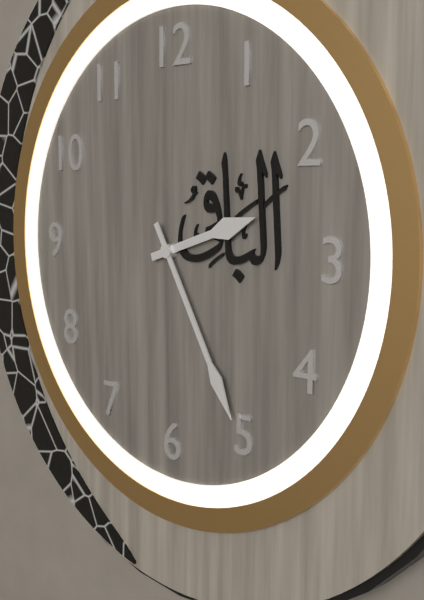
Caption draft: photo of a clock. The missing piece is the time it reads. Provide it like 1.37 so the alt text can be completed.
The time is 2.25
